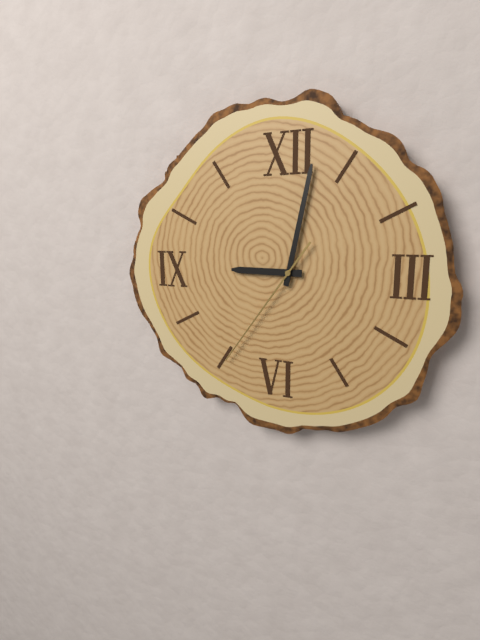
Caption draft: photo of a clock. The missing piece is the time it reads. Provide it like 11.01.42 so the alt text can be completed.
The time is 9.02.36
